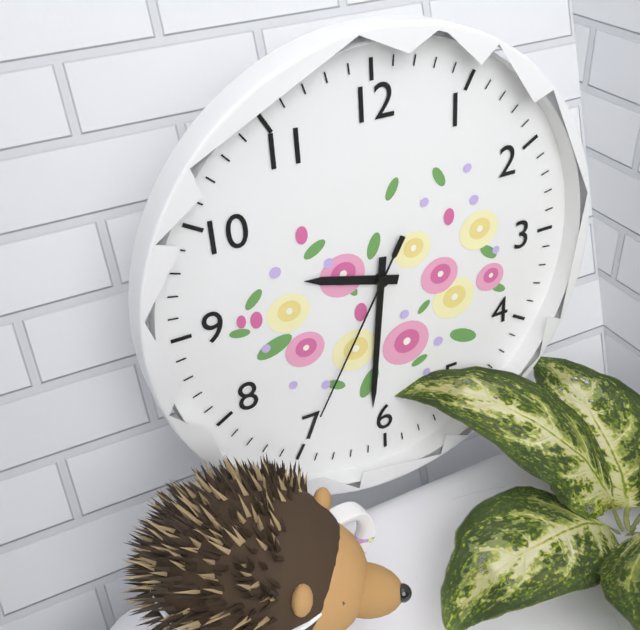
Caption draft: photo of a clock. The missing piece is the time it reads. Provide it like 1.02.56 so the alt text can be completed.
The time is 9.31.35
